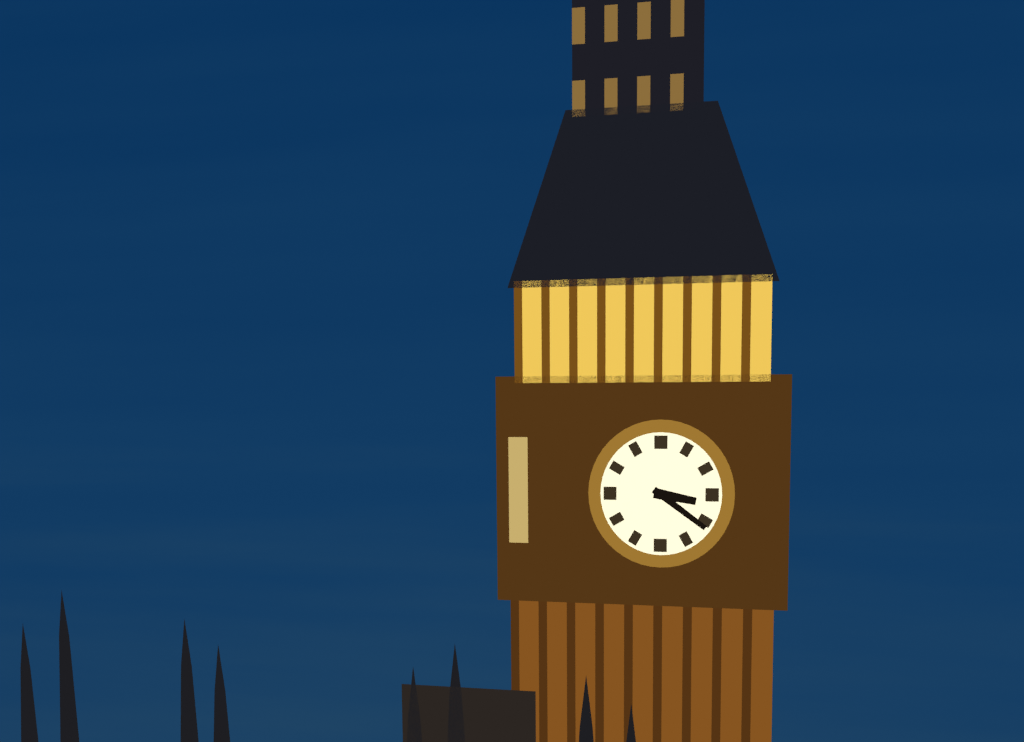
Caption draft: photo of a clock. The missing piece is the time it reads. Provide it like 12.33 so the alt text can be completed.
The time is 3.21
